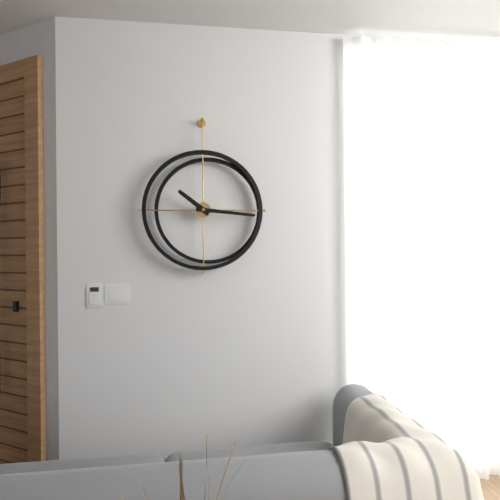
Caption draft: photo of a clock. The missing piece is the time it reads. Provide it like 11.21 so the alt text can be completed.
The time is 10.16
